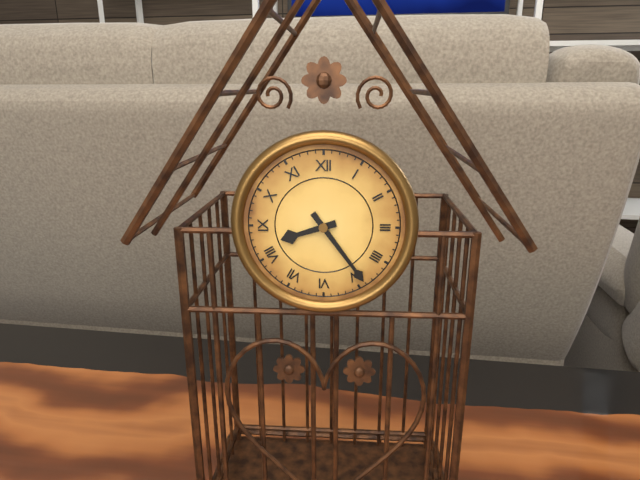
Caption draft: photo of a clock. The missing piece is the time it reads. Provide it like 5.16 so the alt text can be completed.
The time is 8.24
